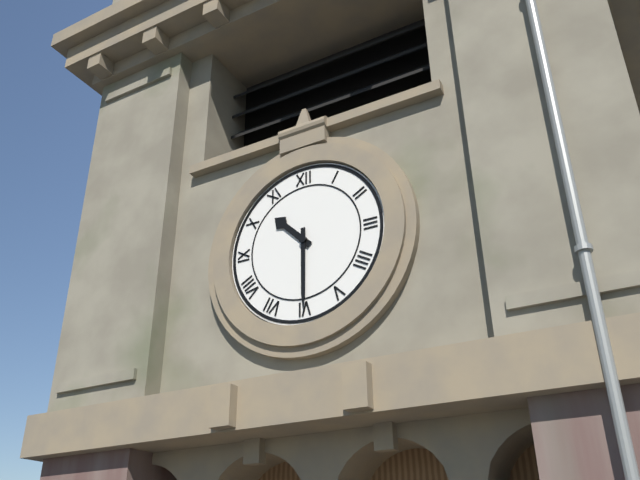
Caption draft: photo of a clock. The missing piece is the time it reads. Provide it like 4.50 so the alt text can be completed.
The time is 10.30
